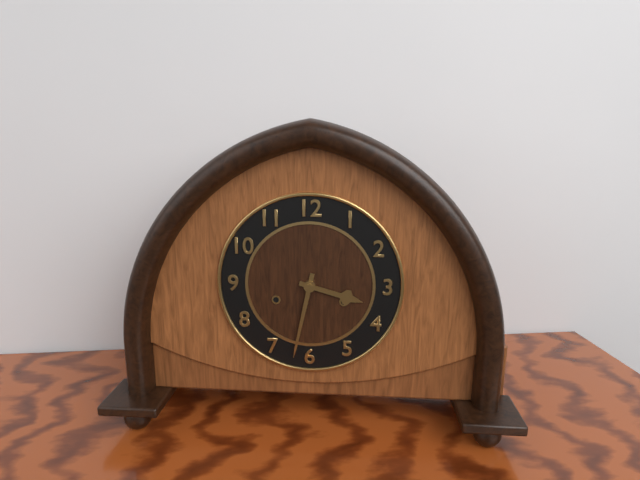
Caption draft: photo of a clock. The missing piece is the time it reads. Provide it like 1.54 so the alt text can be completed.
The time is 3.32
